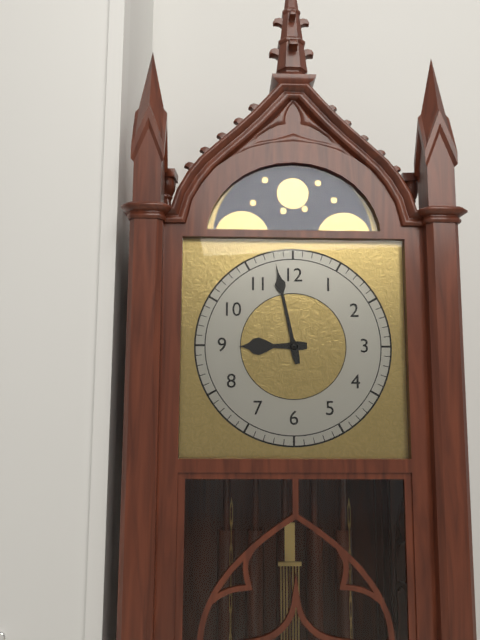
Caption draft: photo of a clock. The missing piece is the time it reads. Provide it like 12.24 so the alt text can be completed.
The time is 8.58
